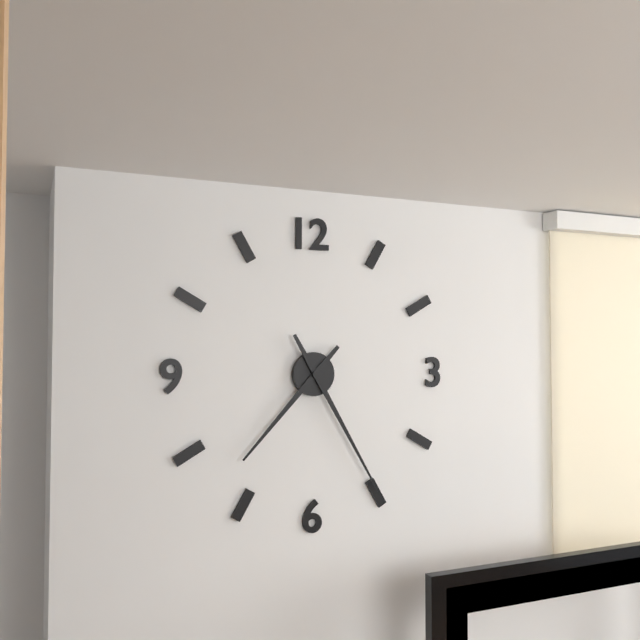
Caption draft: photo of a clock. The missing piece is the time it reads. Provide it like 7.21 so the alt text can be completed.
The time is 7.25
